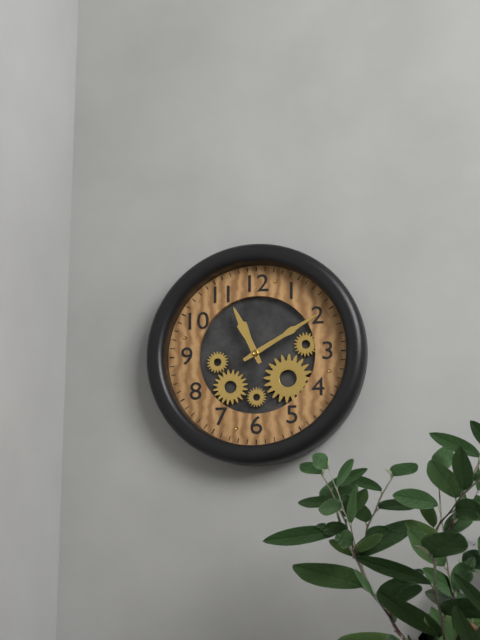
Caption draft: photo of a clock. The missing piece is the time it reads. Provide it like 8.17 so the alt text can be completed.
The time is 11.10
